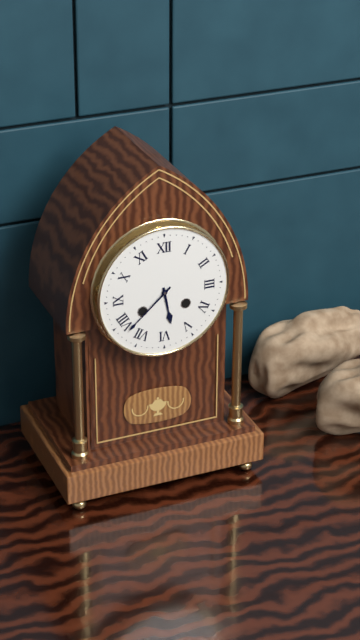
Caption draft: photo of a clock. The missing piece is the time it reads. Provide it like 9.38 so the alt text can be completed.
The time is 5.38
